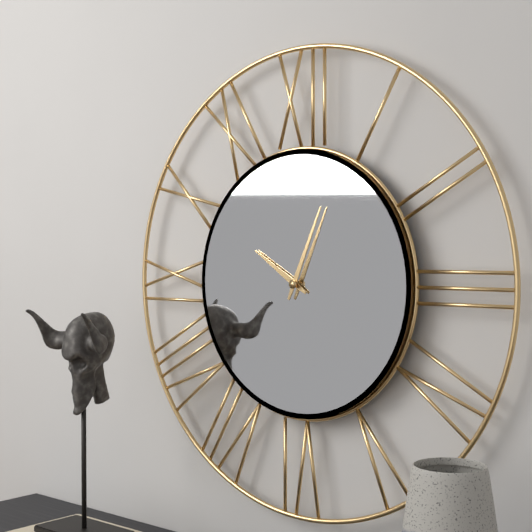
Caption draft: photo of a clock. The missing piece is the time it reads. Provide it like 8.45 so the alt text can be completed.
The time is 10.04
